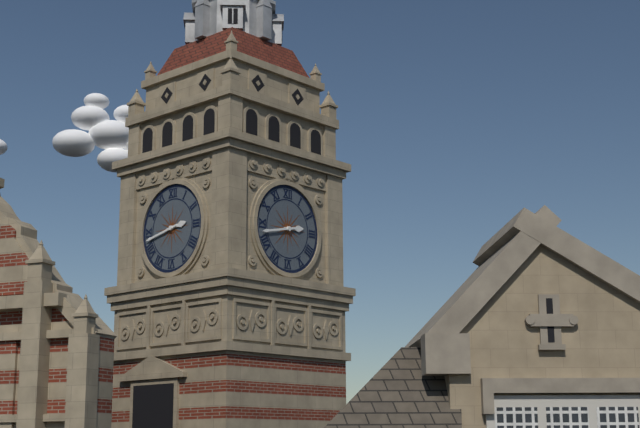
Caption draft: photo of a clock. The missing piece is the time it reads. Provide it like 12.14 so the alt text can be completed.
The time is 2.43
